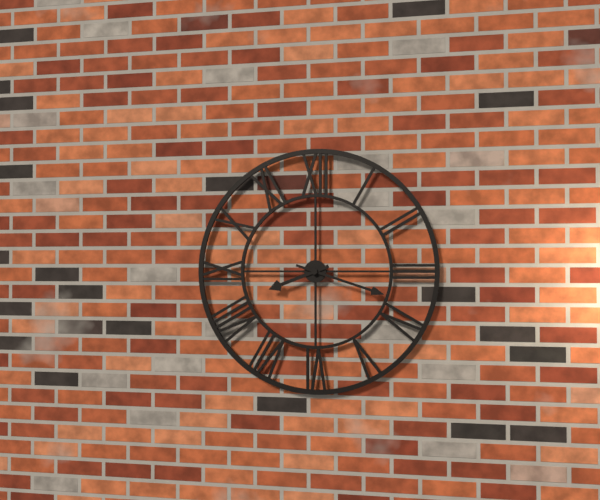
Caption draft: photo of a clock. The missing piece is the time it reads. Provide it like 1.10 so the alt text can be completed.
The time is 8.18
